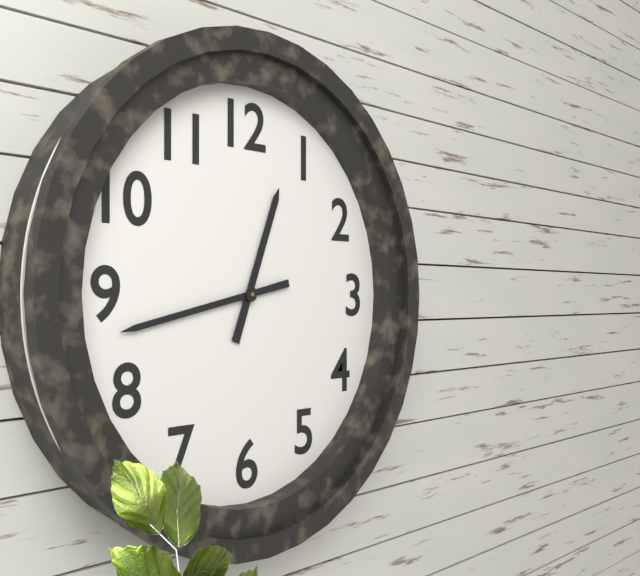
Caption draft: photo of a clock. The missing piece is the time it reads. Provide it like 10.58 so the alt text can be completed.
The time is 12.43
